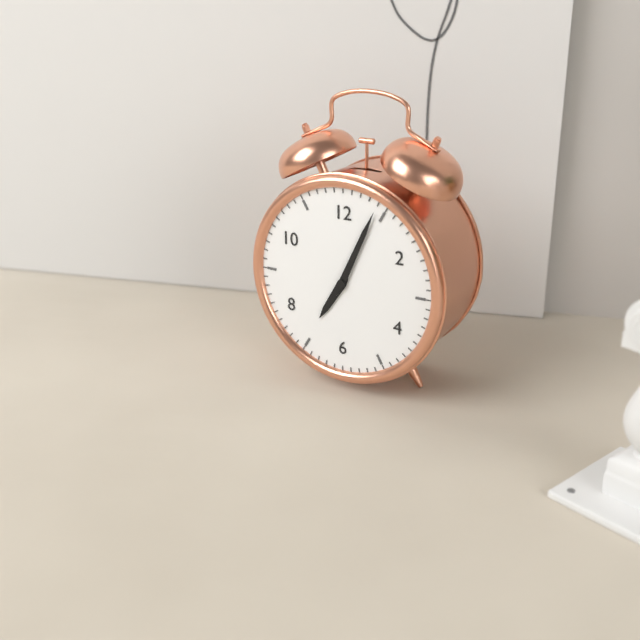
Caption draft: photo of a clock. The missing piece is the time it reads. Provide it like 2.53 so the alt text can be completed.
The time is 7.04
